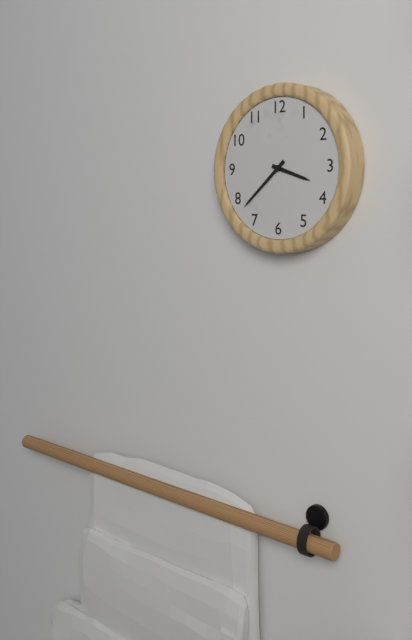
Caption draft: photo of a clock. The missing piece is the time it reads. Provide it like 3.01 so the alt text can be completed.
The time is 3.38
